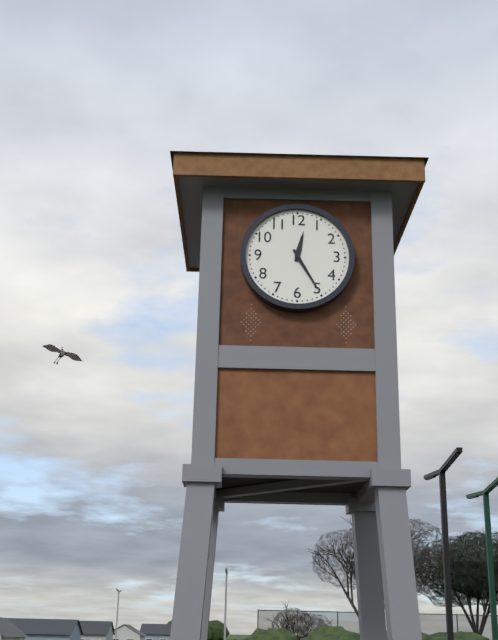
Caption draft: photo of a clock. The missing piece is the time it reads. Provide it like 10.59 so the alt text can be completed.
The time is 12.25
